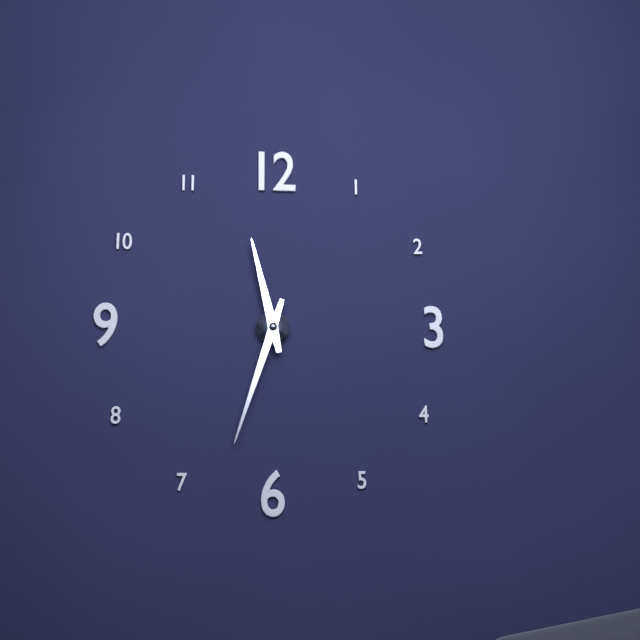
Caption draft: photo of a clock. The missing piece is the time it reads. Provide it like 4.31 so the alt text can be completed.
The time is 11.33
